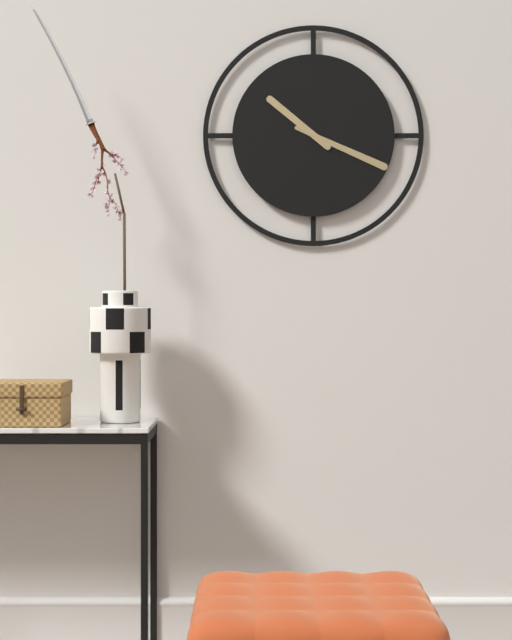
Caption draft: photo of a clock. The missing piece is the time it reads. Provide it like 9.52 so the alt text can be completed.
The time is 10.19
